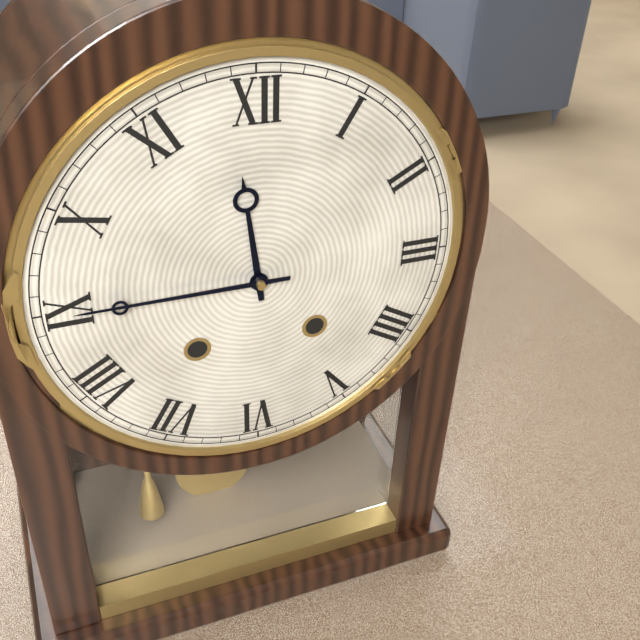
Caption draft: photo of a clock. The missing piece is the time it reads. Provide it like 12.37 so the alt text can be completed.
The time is 11.45
